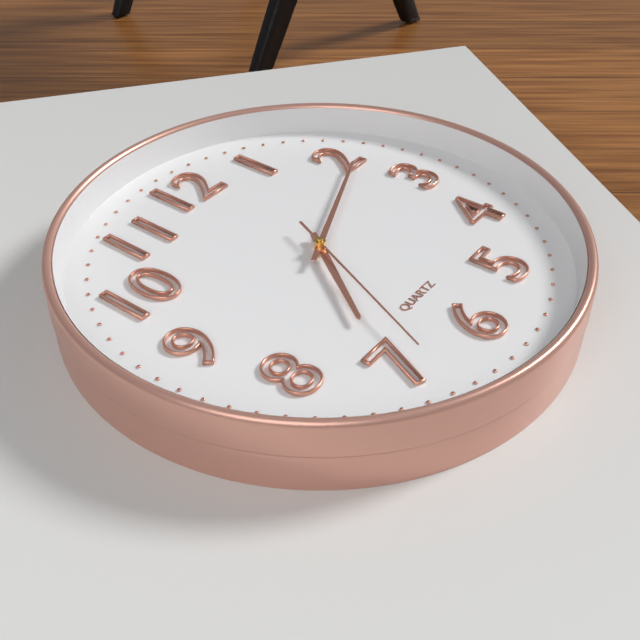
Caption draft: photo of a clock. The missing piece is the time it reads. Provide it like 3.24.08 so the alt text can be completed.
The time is 7.11.34
